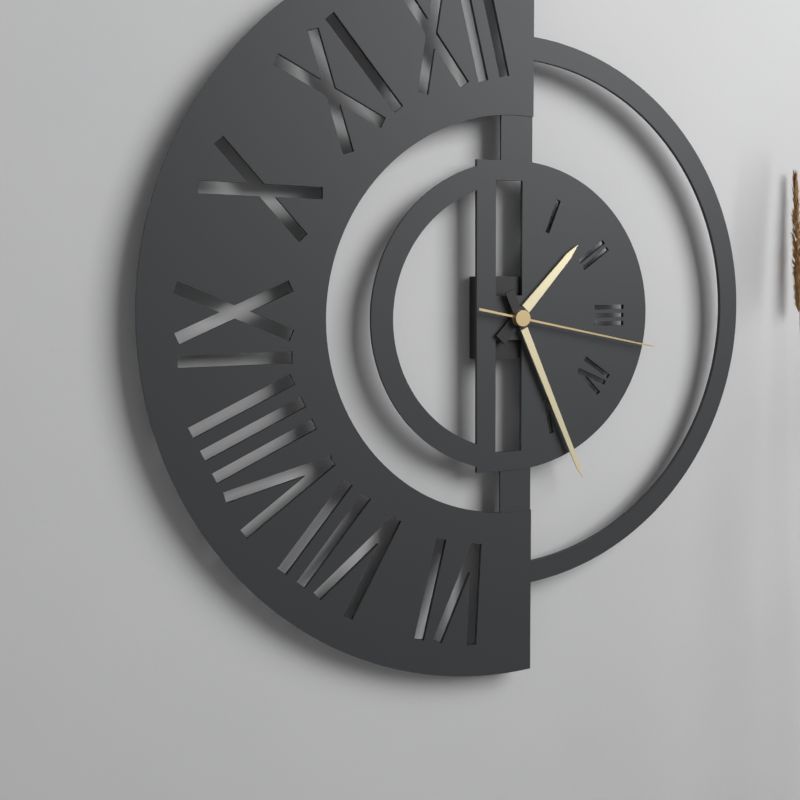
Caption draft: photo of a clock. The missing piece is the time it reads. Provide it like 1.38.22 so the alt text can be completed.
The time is 1.26.17
